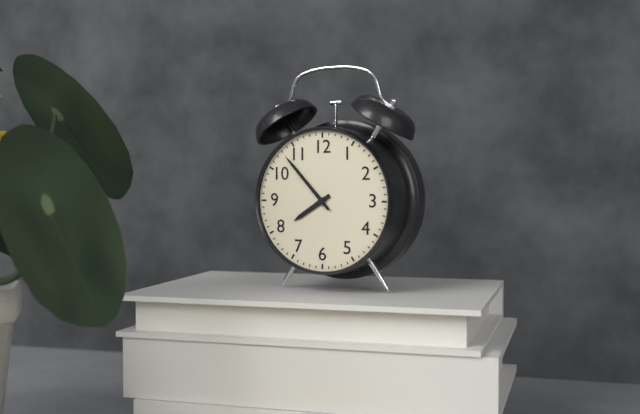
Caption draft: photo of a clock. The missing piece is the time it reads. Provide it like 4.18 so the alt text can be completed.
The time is 7.53
